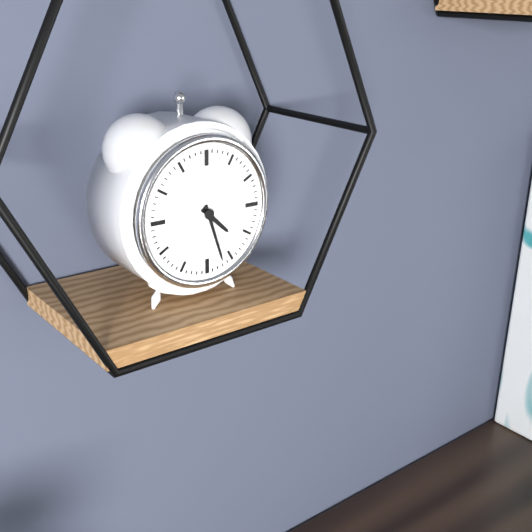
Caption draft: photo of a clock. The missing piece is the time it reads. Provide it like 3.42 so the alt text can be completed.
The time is 4.27
